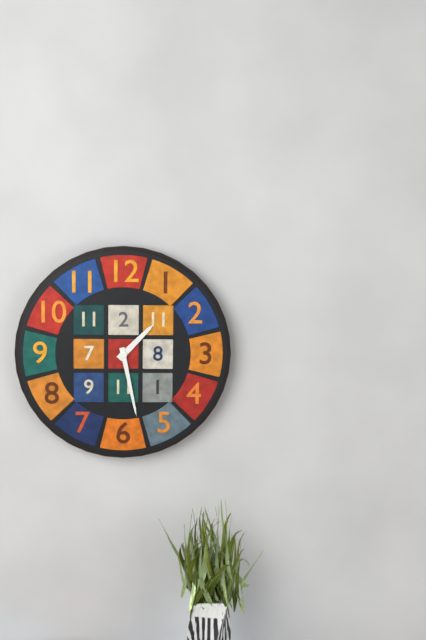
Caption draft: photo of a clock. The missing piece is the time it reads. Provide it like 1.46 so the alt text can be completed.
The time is 1.28
